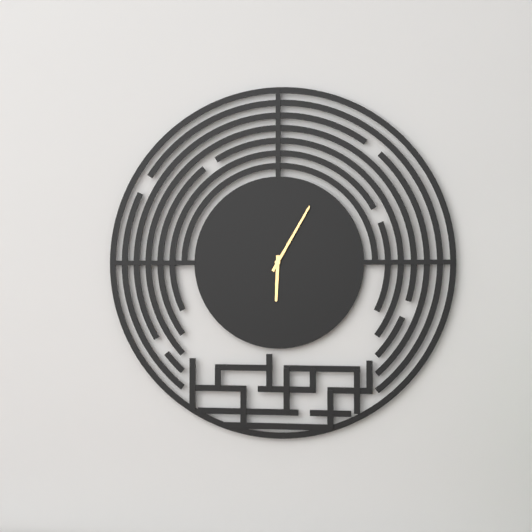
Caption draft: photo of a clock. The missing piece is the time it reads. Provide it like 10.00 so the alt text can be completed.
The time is 6.05
